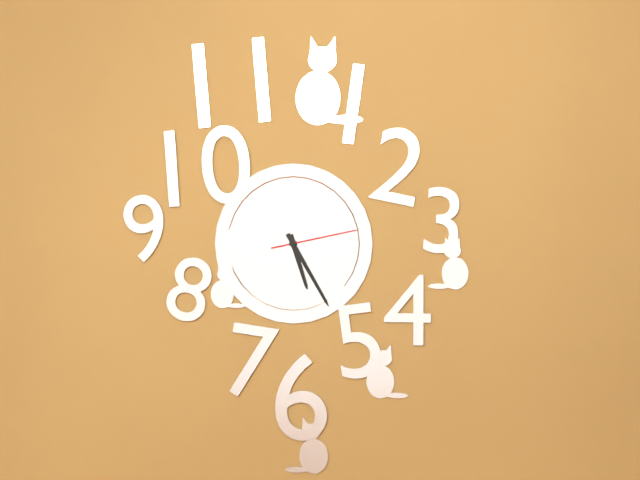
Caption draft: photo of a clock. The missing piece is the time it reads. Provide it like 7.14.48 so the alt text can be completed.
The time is 5.25.13
